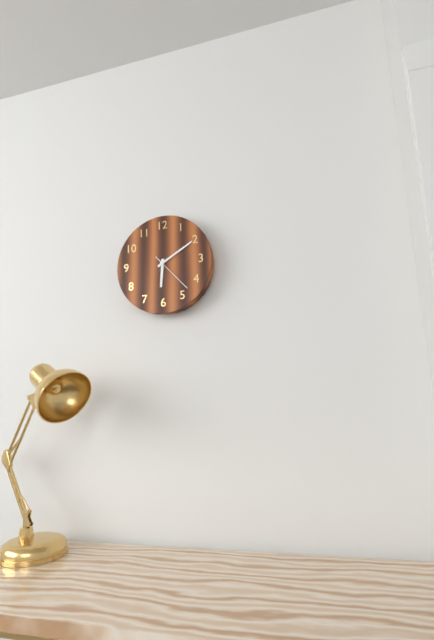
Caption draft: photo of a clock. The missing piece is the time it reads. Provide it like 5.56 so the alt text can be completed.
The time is 6.10
